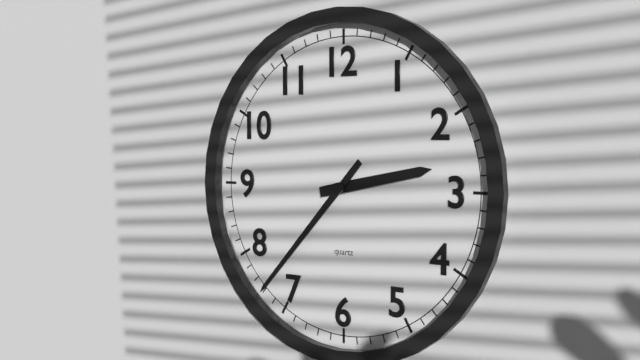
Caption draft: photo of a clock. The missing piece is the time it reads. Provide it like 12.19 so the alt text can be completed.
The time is 2.37
